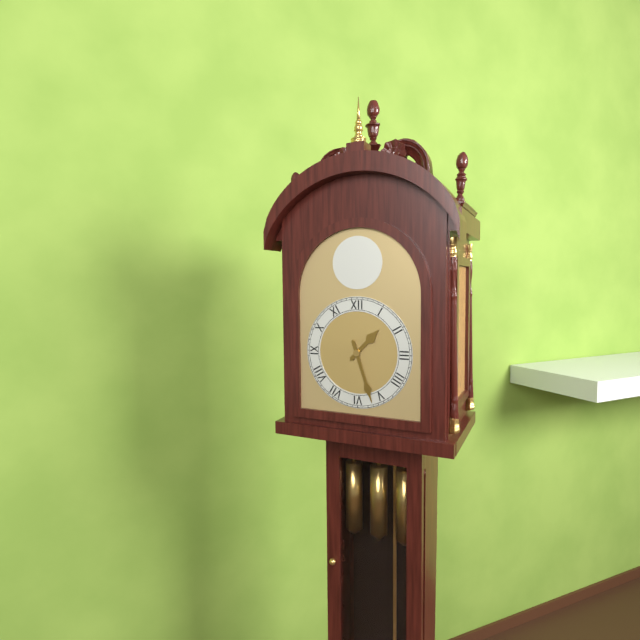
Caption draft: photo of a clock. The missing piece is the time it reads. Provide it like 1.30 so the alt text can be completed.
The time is 1.27
